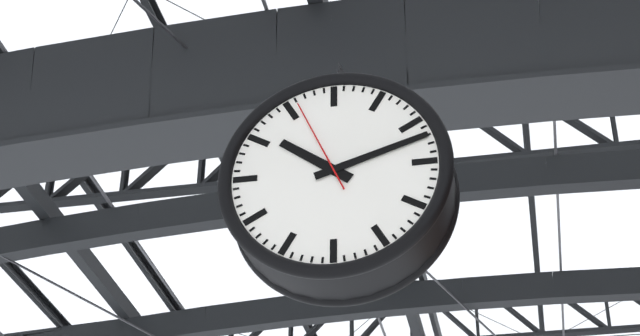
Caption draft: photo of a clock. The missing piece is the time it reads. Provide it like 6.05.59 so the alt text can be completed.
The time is 10.12.56
